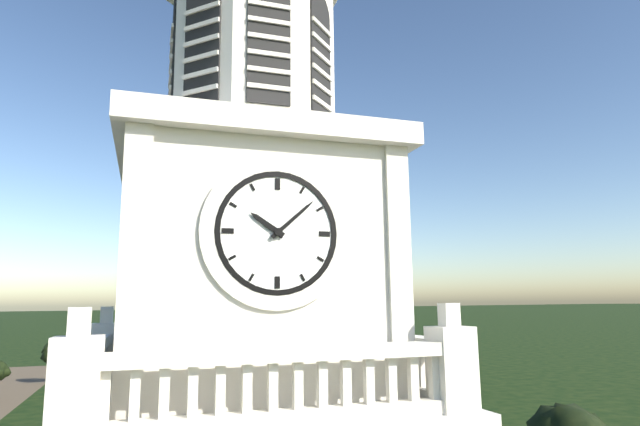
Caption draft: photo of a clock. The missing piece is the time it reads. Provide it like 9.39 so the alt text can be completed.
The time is 10.08
